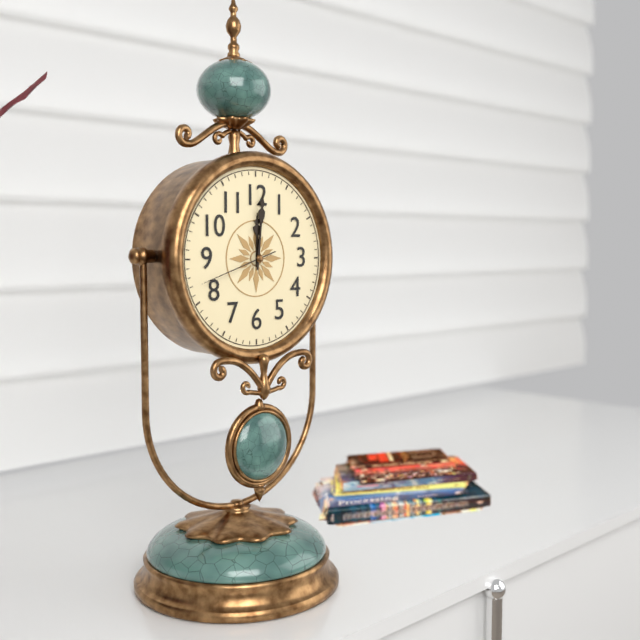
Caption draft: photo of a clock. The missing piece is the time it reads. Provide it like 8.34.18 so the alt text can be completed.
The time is 12.01.42
